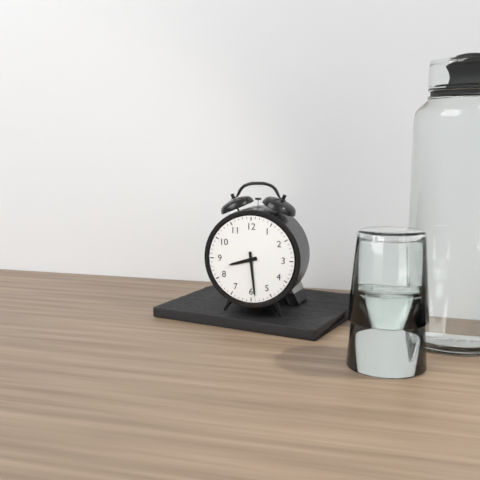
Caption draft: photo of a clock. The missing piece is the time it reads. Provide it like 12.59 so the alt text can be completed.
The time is 8.29
